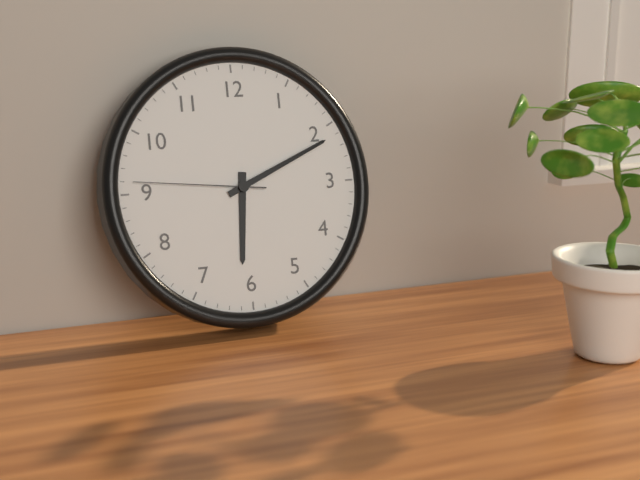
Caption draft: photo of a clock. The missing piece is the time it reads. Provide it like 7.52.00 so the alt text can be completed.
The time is 6.11.46
